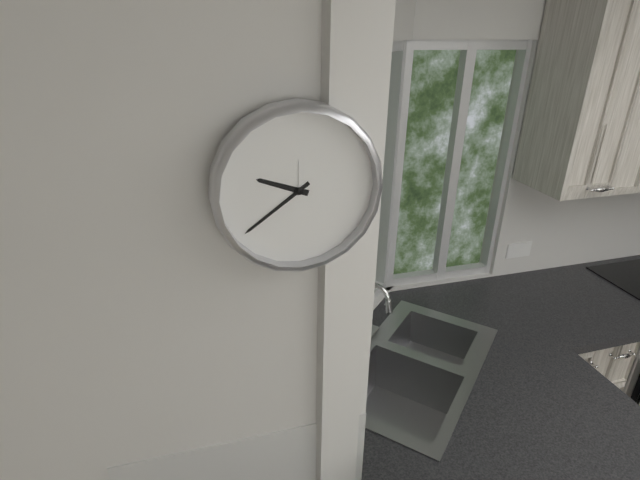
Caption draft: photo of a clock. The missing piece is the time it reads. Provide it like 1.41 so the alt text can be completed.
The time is 9.39
